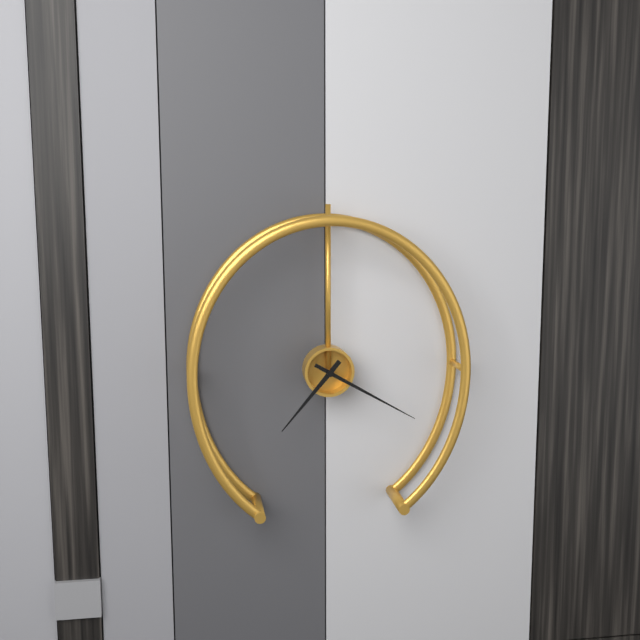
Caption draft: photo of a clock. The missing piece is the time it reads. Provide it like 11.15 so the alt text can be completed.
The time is 7.20
